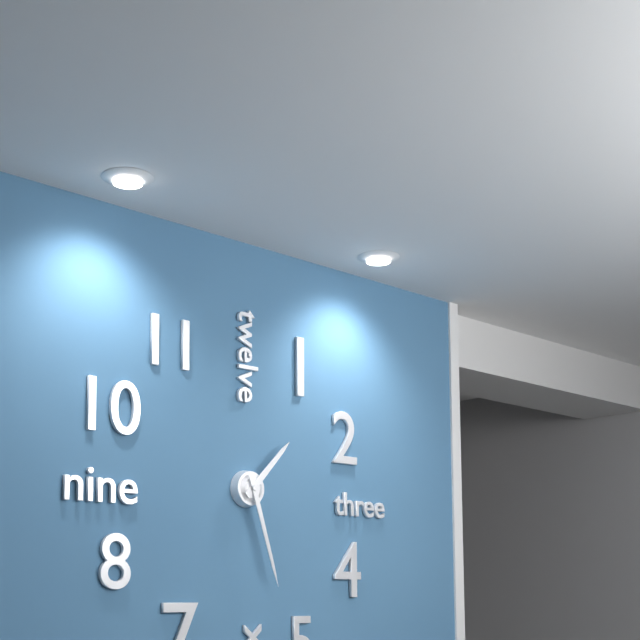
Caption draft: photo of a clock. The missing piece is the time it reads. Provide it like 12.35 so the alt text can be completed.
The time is 1.27
